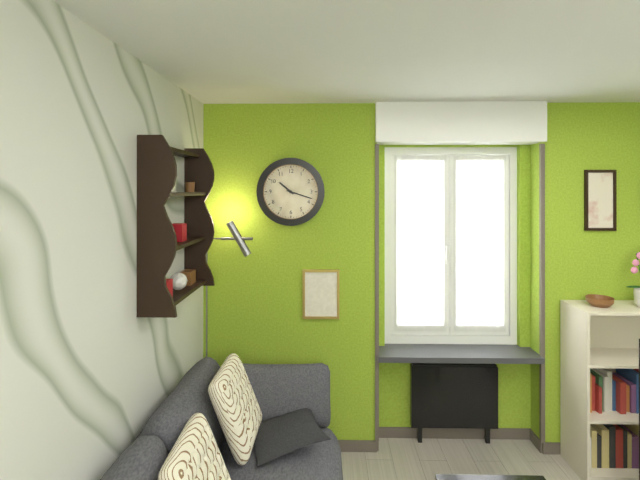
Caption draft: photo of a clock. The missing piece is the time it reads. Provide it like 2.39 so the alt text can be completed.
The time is 10.18
